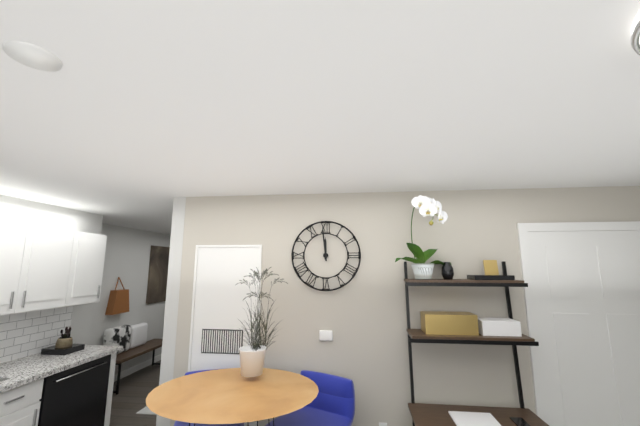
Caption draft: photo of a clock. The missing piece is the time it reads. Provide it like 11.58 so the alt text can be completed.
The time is 11.59
